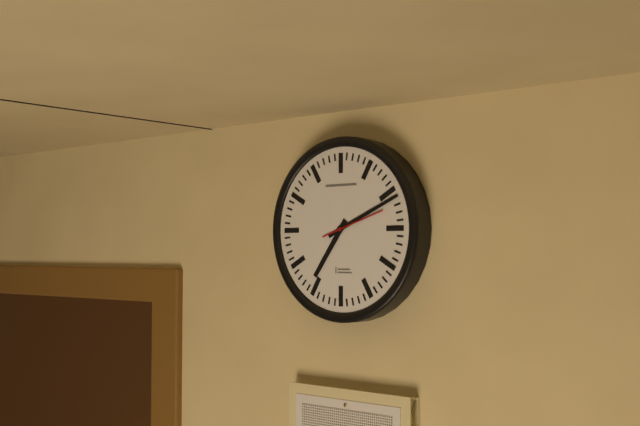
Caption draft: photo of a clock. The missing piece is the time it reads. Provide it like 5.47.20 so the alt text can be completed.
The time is 7.11.12
